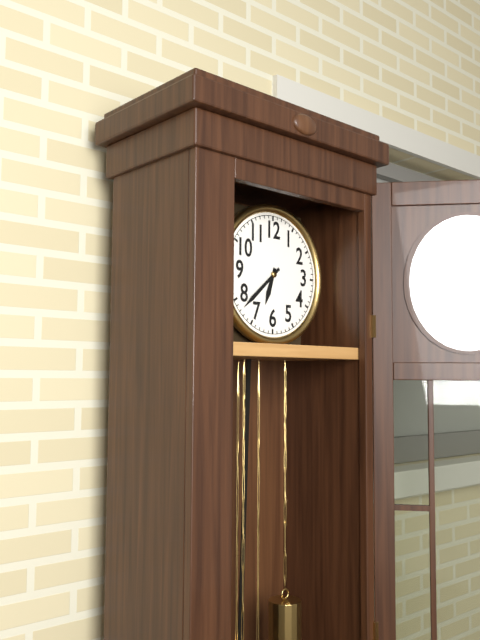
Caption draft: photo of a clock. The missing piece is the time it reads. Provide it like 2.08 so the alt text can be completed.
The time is 6.38
